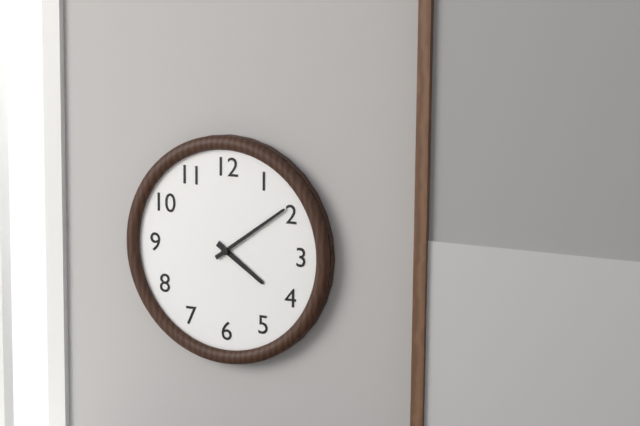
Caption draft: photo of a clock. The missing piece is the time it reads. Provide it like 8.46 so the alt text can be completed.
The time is 4.09
